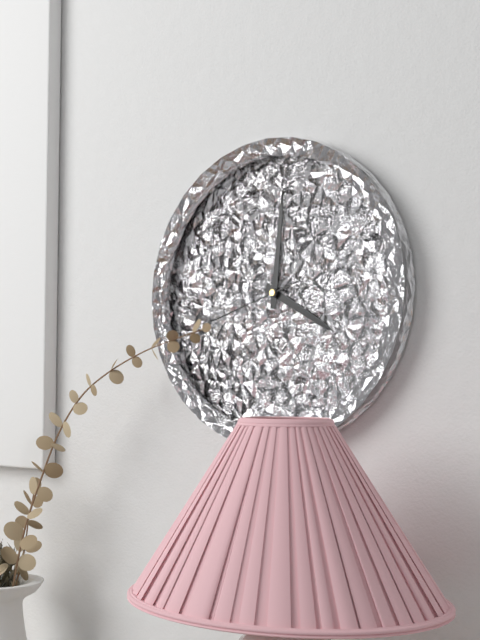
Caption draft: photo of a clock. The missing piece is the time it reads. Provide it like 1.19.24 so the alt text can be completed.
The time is 4.01.42
